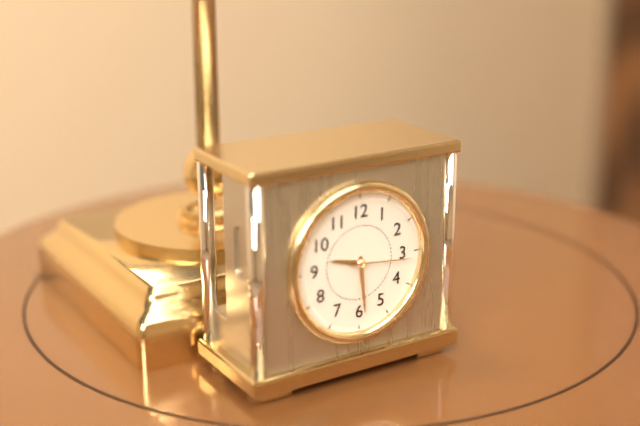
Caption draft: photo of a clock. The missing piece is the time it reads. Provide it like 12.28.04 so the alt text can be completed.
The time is 9.29.16
